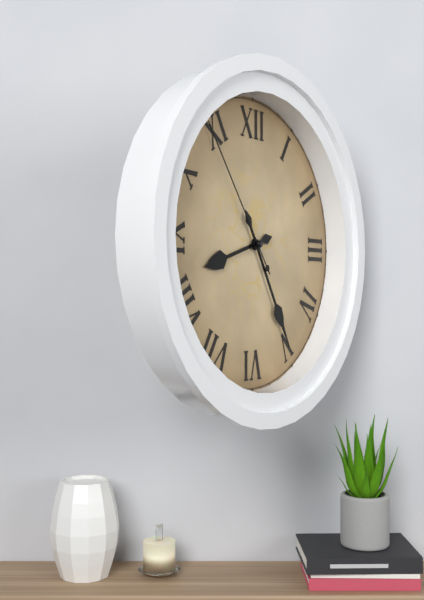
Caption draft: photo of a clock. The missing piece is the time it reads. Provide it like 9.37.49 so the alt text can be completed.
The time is 8.25.54
